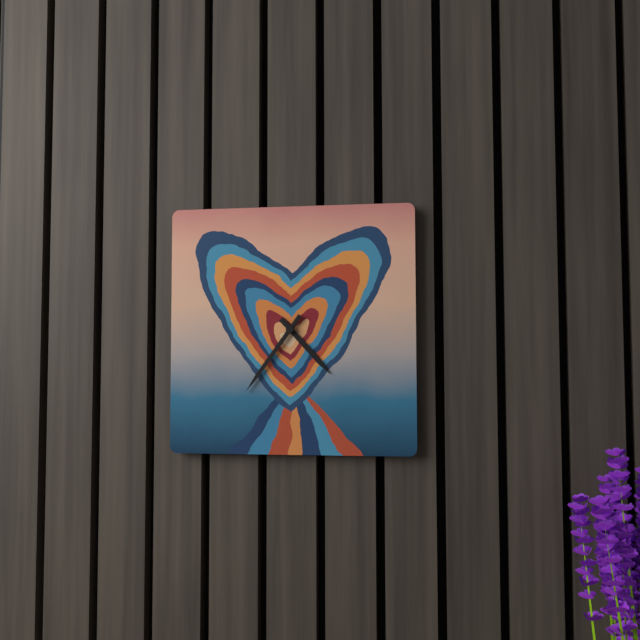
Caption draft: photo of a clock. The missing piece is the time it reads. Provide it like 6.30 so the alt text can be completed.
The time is 4.36
